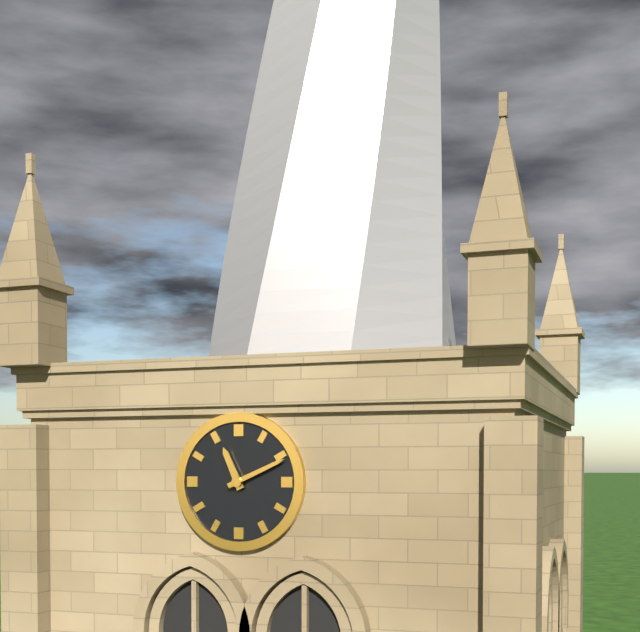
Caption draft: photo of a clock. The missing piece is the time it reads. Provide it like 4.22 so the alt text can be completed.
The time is 11.11
